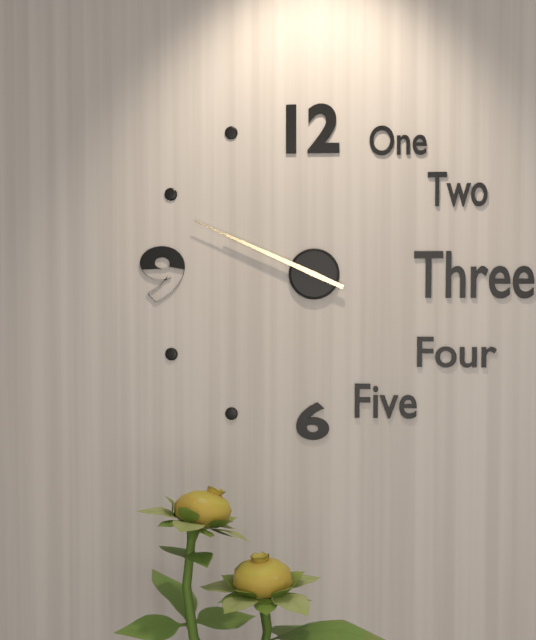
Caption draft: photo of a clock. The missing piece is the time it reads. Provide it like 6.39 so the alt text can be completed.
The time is 9.49
